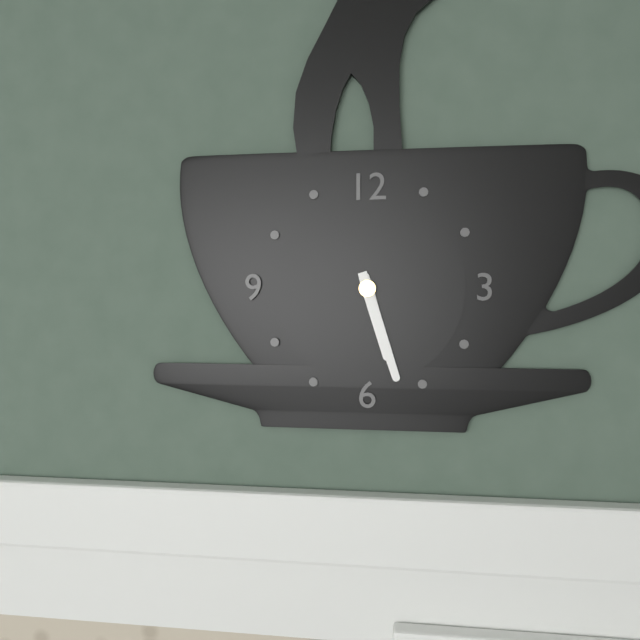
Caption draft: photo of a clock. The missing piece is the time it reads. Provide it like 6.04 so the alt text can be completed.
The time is 5.27
